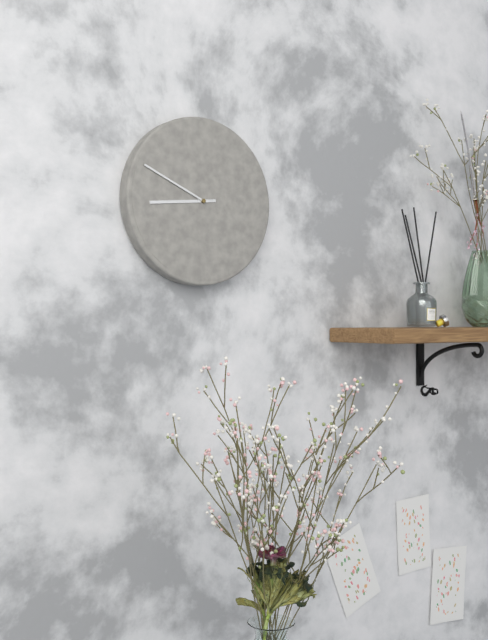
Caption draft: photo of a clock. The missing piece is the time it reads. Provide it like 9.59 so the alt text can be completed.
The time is 8.49
